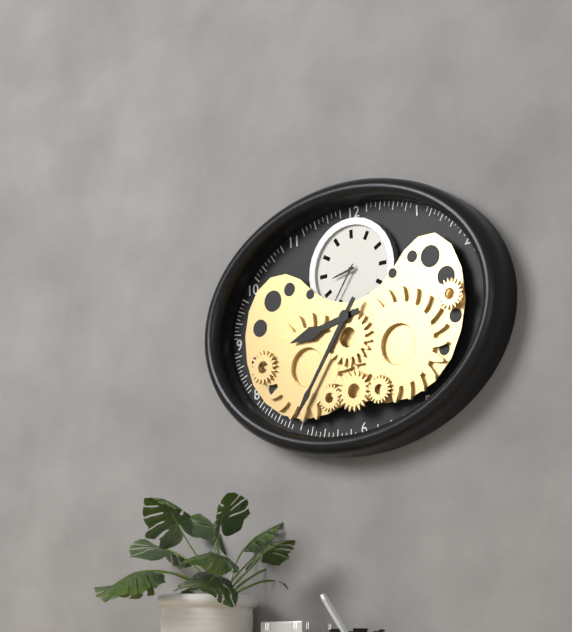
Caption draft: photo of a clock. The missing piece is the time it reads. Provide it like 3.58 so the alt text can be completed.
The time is 8.36
